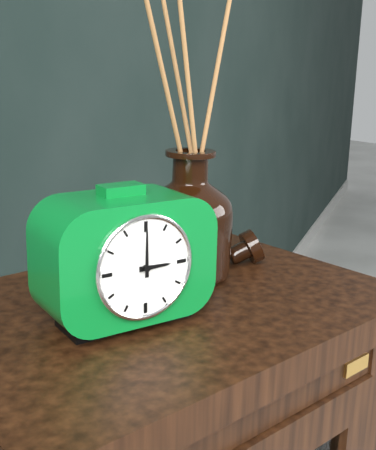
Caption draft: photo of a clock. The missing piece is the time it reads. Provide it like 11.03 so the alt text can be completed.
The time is 3.00
